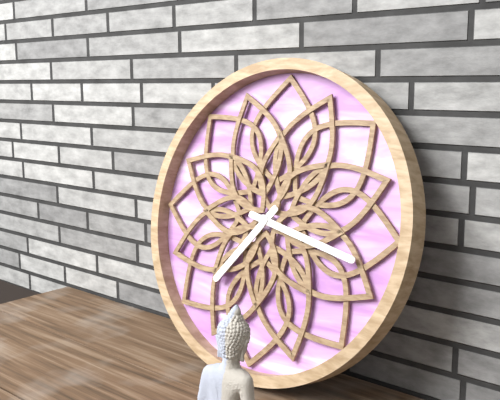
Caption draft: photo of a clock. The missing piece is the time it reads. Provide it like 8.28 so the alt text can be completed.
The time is 7.17
